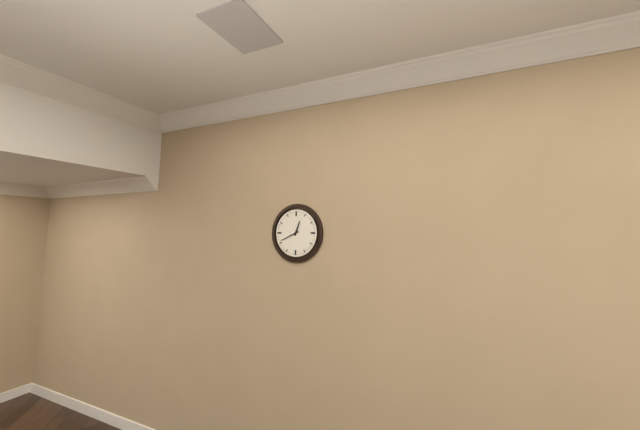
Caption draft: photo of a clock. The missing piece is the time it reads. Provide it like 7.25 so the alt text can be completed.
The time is 12.41
